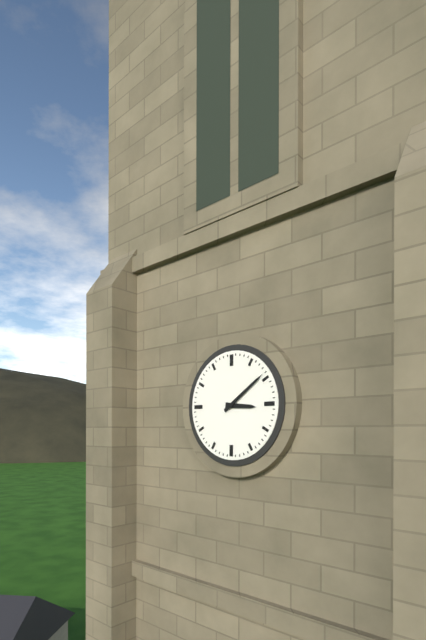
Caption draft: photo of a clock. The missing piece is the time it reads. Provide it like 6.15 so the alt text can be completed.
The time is 3.09
